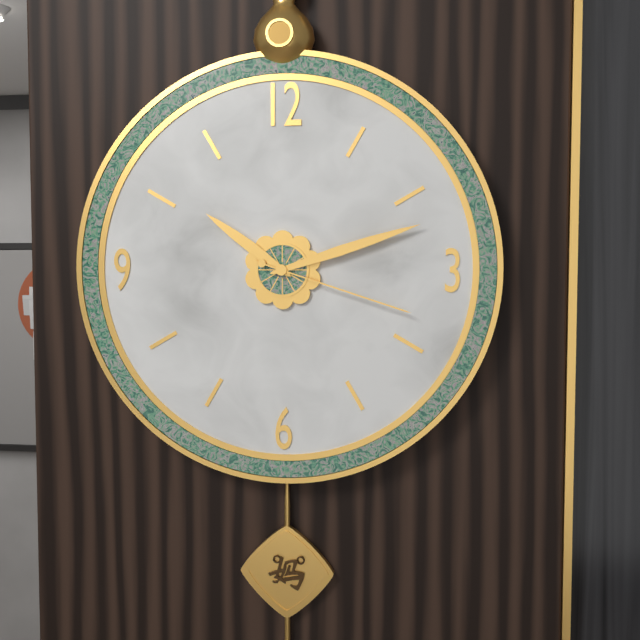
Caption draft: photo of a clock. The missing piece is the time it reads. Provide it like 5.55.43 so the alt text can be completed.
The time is 10.12.18
